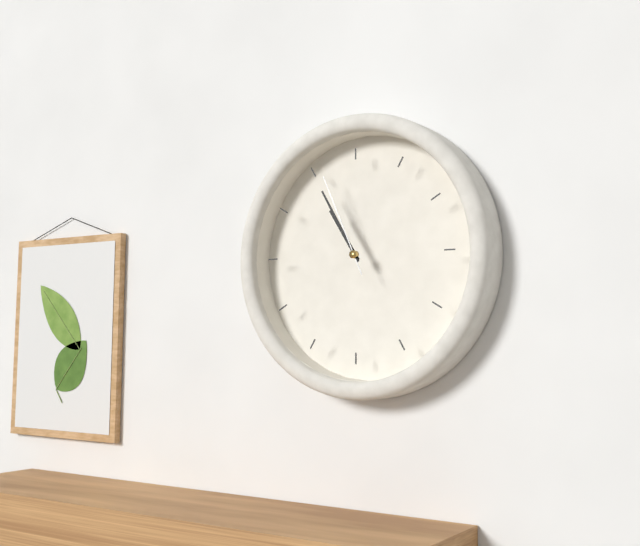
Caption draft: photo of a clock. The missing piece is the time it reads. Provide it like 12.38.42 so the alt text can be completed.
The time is 10.55.56
